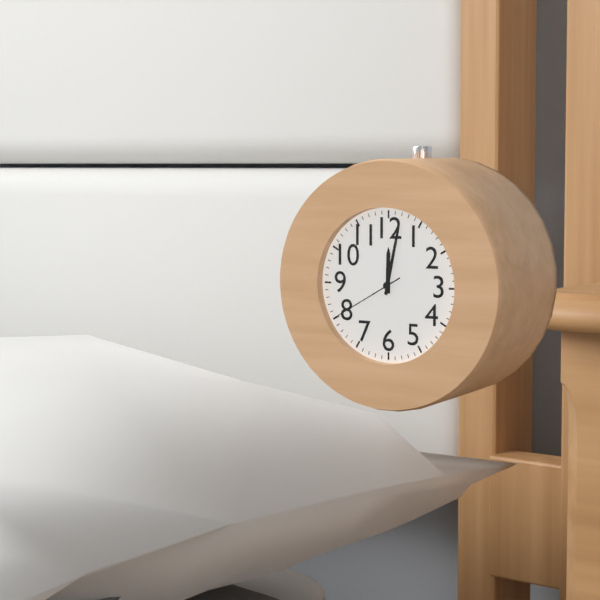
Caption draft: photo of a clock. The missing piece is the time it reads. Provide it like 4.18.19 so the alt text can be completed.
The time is 12.02.40
